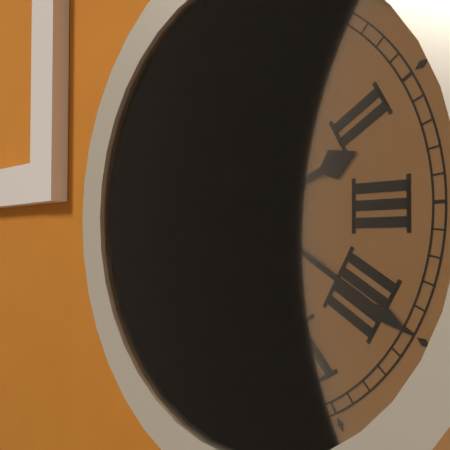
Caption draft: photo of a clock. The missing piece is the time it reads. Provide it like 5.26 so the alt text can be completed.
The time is 2.20
